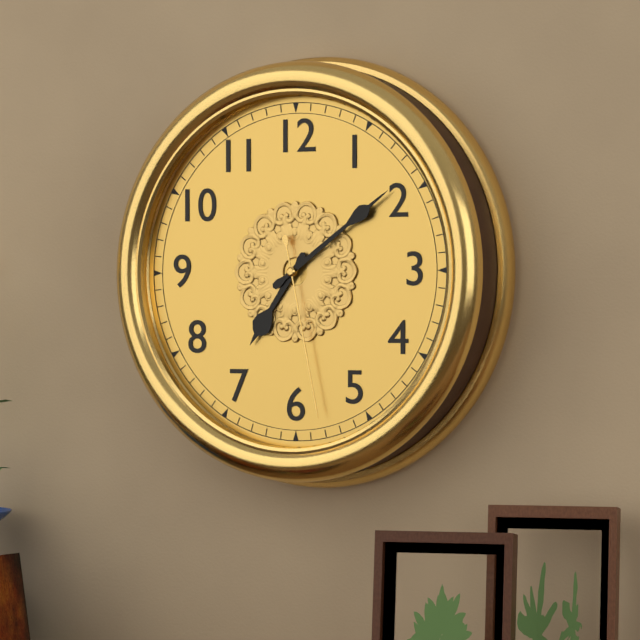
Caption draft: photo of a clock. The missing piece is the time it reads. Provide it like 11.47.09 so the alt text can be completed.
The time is 7.09.28
